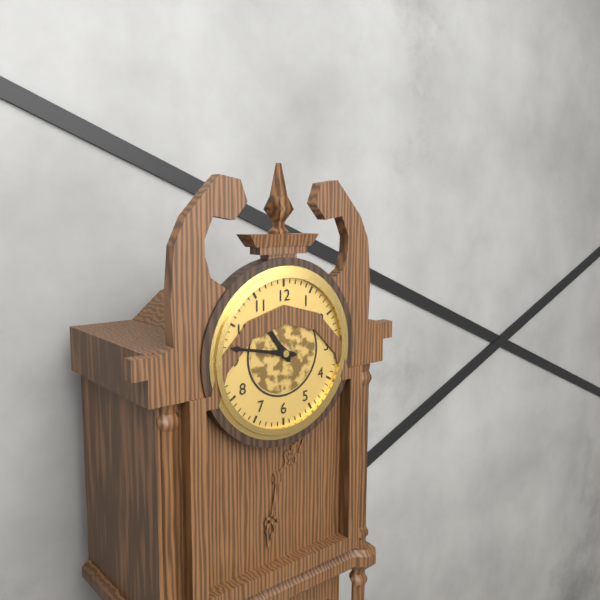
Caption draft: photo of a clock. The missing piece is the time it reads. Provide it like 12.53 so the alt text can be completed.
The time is 10.47
